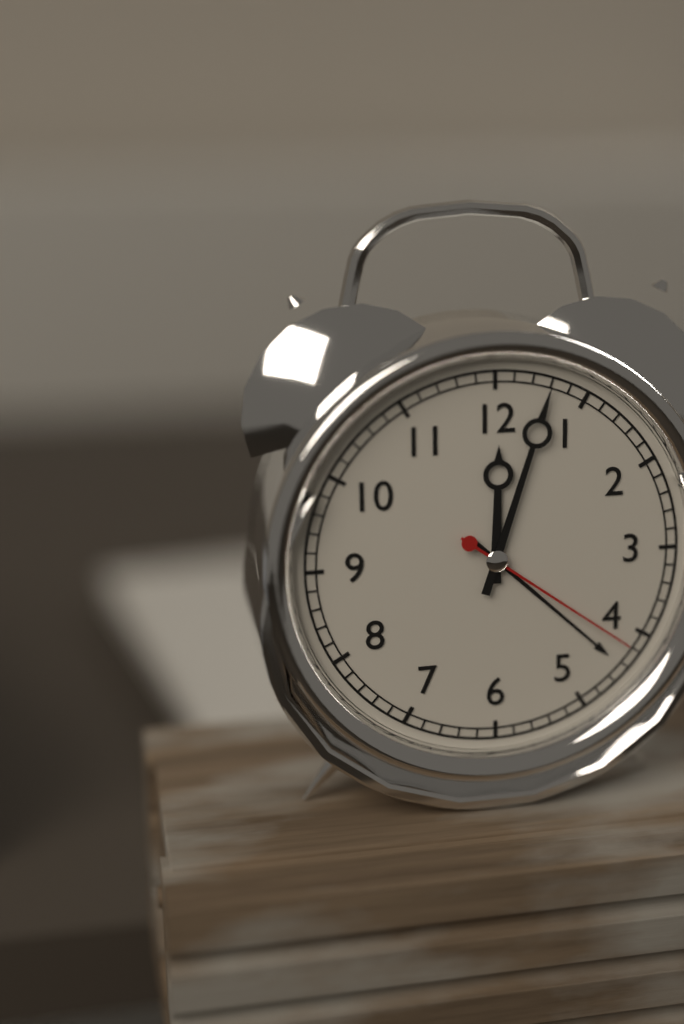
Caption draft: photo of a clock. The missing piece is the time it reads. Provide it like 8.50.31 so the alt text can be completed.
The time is 12.03.21
